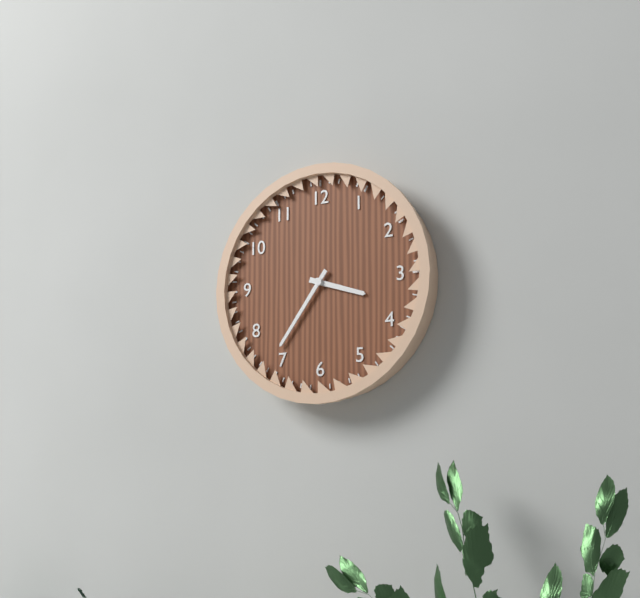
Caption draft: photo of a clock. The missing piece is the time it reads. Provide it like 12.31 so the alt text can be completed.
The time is 3.36
